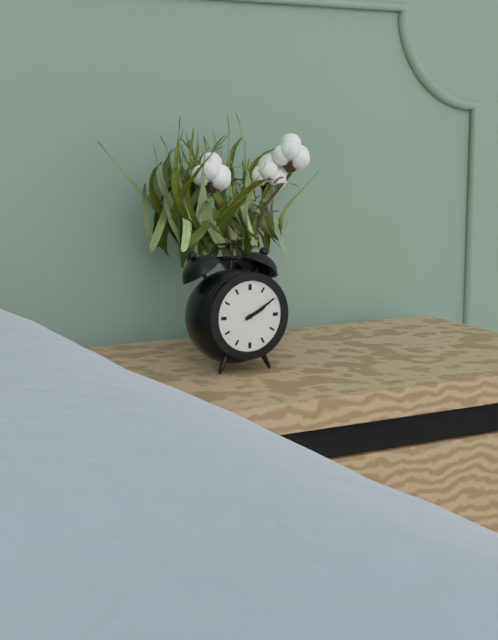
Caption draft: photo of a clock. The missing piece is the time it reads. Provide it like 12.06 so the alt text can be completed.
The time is 2.10
